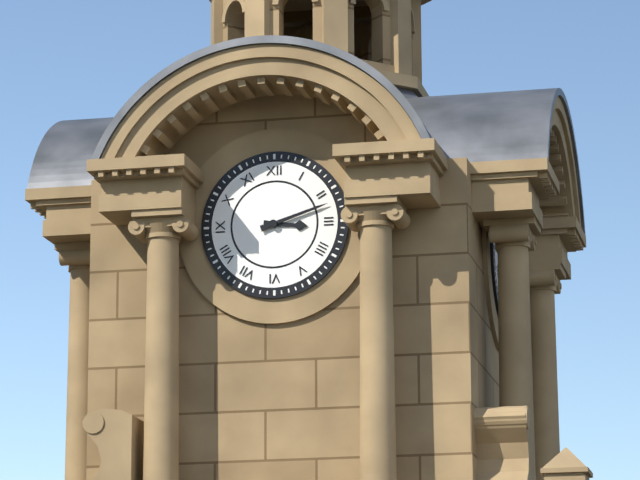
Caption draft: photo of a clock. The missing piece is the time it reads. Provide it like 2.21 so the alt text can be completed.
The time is 3.12
